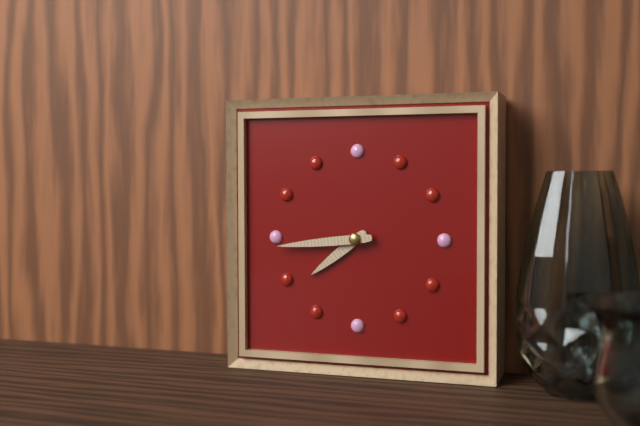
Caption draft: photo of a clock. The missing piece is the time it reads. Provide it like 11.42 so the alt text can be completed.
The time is 7.44
